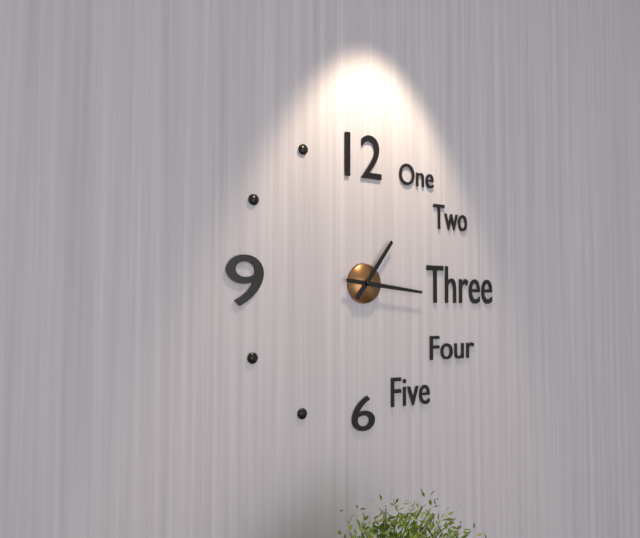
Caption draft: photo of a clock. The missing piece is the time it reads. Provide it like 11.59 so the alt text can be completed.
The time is 1.16
